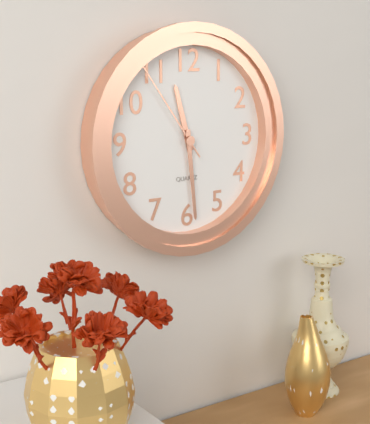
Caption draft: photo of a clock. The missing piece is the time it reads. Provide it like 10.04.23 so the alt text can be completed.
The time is 11.29.54
